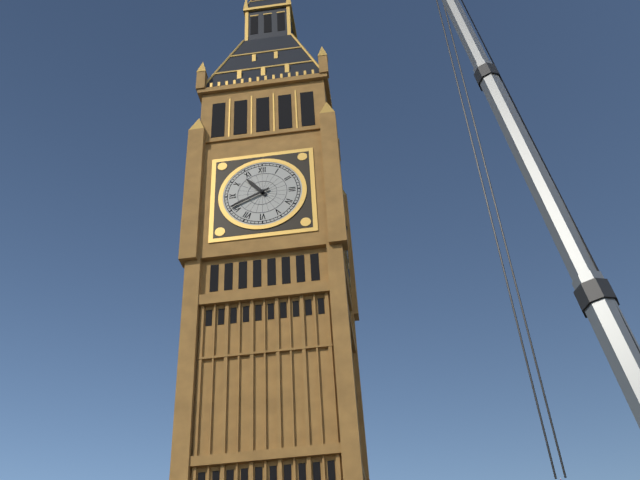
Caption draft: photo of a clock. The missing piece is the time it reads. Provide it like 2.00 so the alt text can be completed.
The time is 10.41
